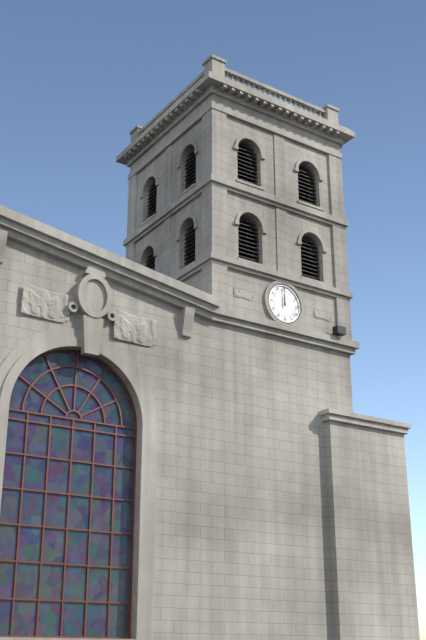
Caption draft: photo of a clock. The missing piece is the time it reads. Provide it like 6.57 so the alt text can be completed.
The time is 12.00
